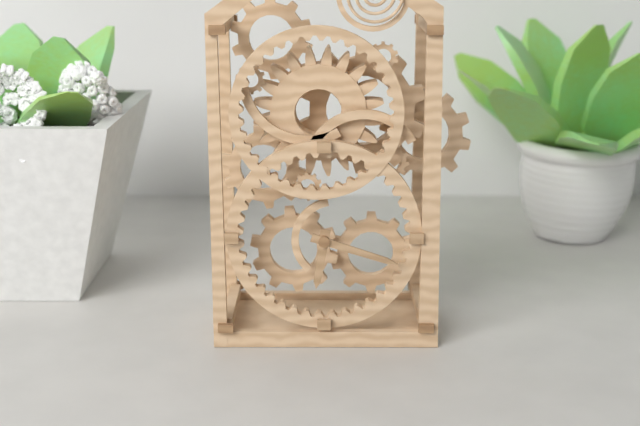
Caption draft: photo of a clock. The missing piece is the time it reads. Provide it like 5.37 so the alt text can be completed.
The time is 6.18
